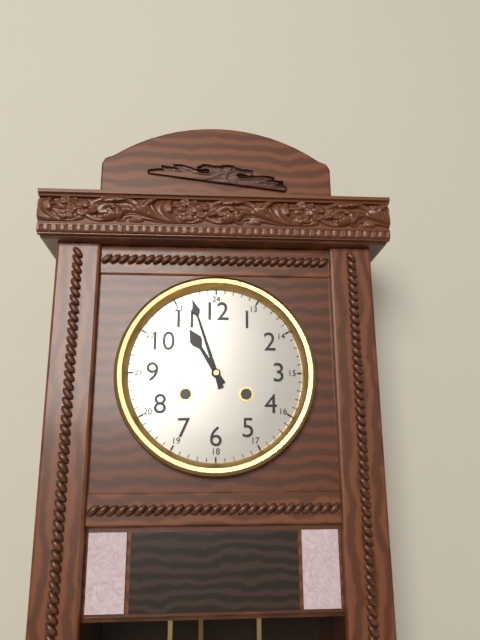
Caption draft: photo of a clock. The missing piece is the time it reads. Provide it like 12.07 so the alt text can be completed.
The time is 10.57
